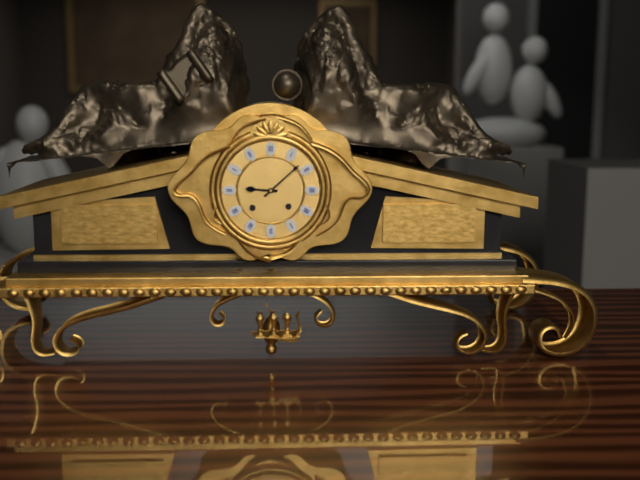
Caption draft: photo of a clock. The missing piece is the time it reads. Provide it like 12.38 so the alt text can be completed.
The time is 9.08
